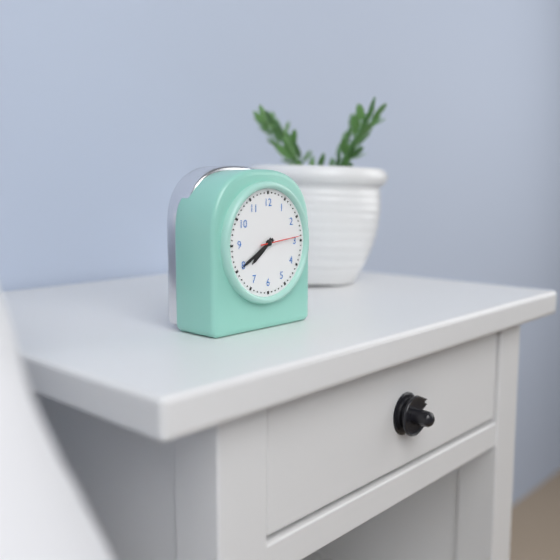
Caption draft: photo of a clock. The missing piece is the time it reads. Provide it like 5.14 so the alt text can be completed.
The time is 7.40
